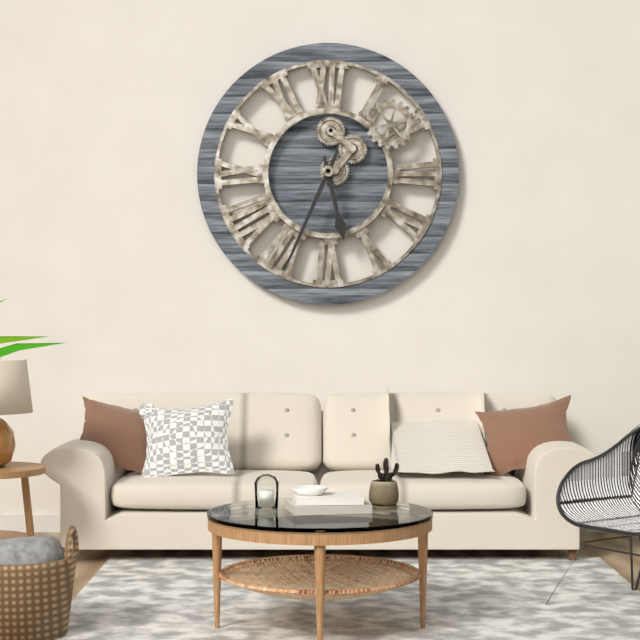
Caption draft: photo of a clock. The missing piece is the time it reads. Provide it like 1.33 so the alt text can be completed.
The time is 5.34
